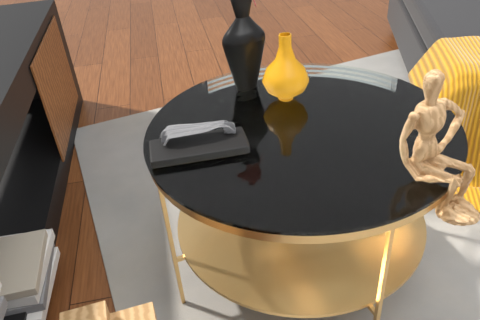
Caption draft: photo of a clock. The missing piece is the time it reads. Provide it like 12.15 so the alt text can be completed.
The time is 8.07
